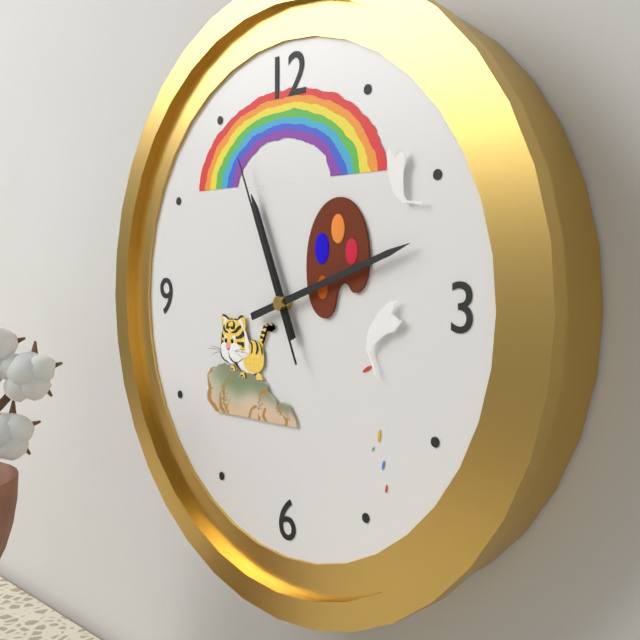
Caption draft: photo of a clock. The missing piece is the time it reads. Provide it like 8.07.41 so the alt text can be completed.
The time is 11.12.56
